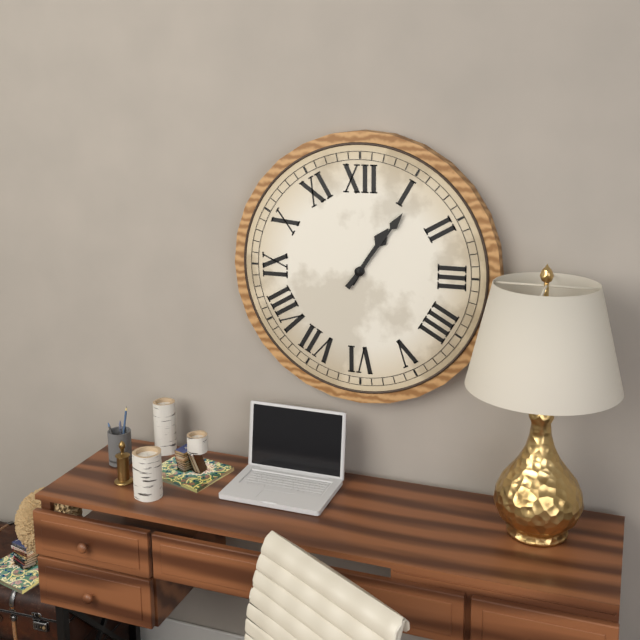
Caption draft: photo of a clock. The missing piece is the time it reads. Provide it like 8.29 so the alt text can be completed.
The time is 1.06
